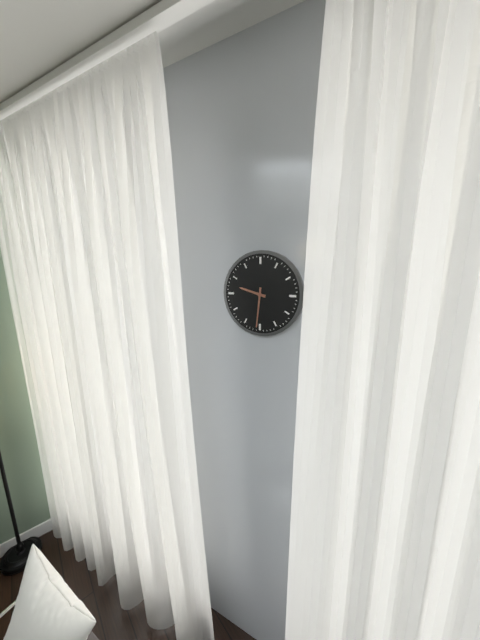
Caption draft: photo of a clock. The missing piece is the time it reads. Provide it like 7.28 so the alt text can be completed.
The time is 9.31
